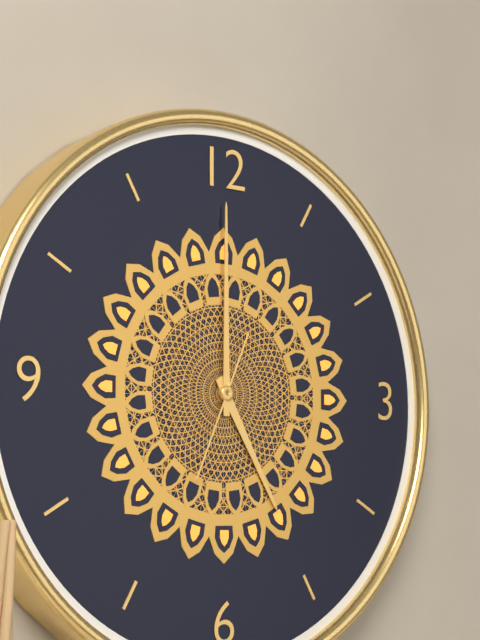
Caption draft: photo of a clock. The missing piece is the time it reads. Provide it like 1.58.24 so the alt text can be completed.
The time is 5.00.34
